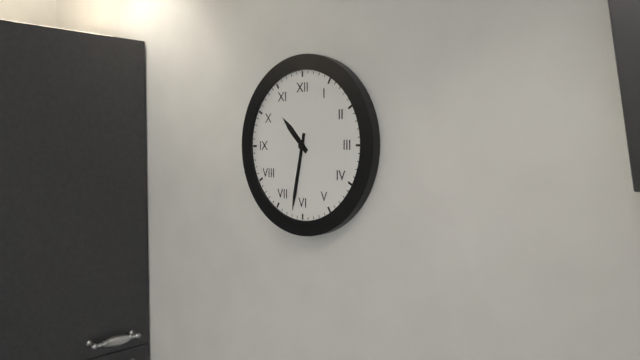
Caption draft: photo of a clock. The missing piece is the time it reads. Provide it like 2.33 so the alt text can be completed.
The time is 10.32
